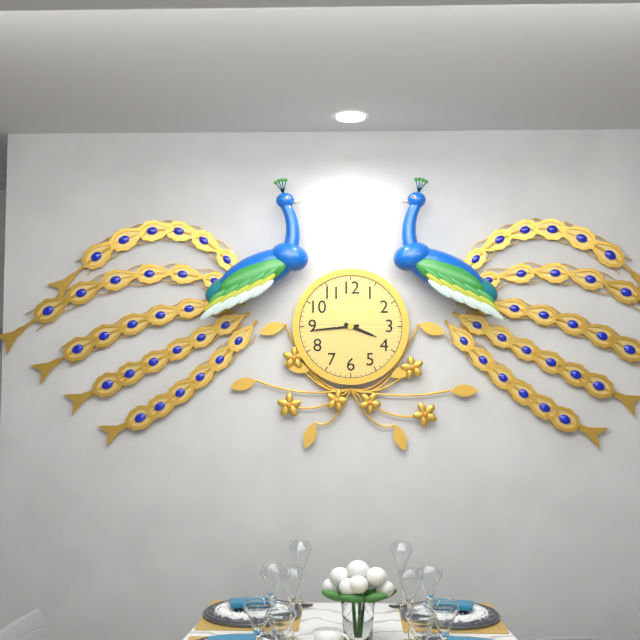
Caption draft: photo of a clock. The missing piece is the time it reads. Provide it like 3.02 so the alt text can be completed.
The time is 3.44
